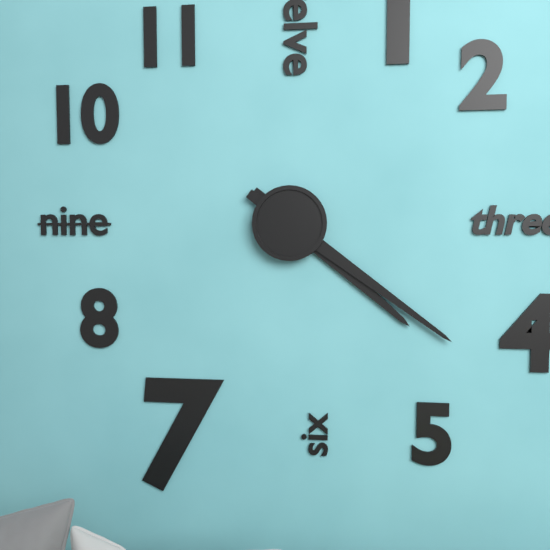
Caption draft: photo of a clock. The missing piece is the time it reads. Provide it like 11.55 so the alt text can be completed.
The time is 4.21
